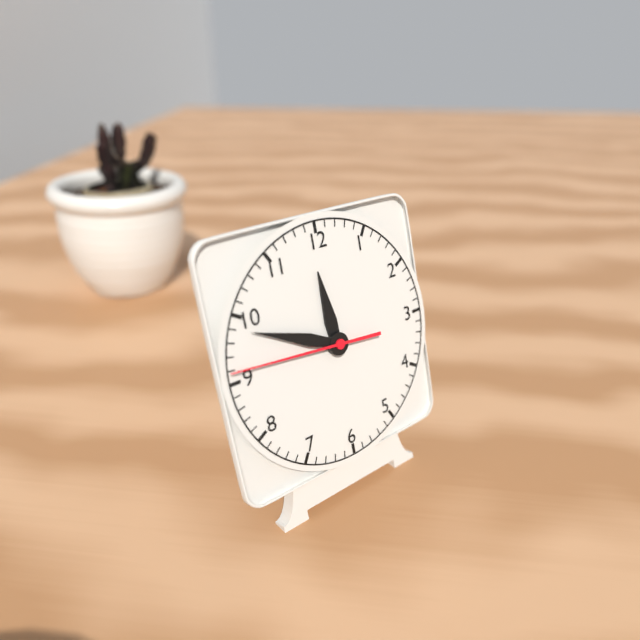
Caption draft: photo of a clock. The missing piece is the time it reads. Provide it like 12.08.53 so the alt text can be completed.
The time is 11.49.46
